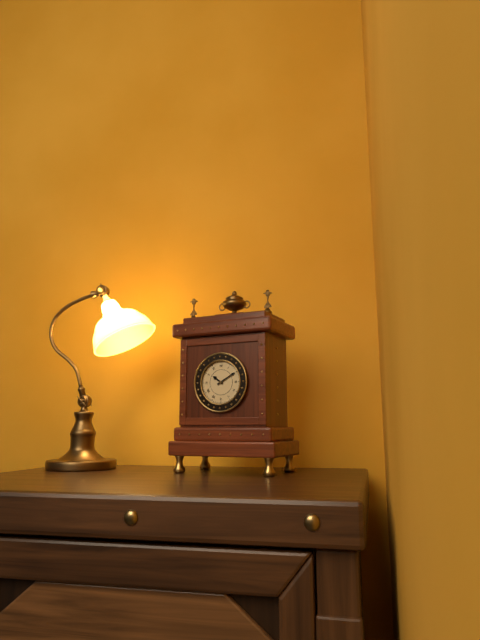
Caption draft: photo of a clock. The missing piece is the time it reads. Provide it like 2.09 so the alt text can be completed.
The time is 10.10
